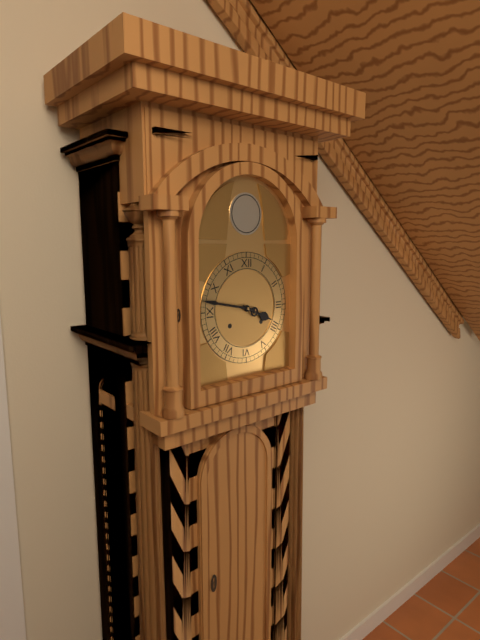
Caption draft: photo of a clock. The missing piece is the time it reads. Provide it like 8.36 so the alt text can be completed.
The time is 3.47
